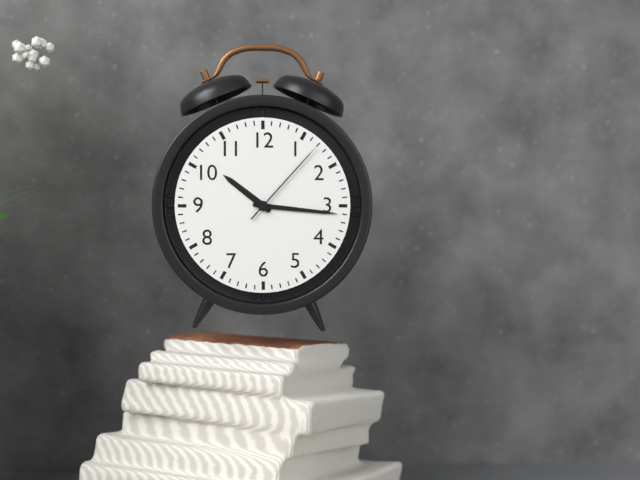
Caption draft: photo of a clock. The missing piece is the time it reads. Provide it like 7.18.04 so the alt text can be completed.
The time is 10.16.07
